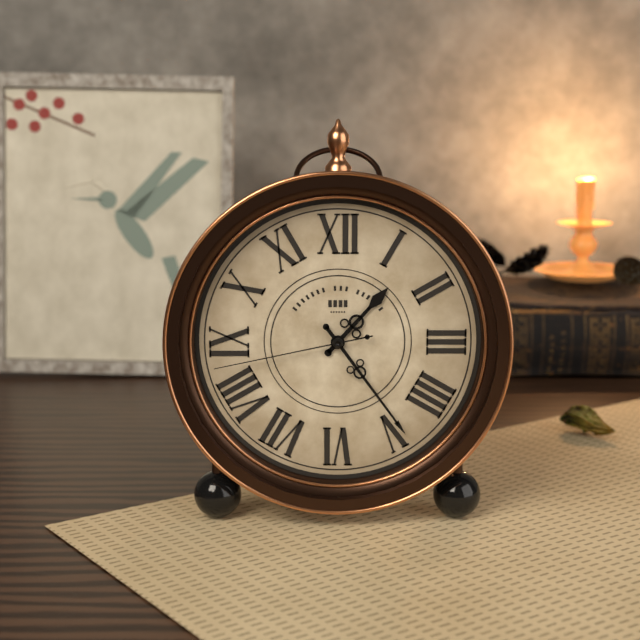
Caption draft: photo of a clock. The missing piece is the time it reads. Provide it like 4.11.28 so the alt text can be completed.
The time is 1.24.43
